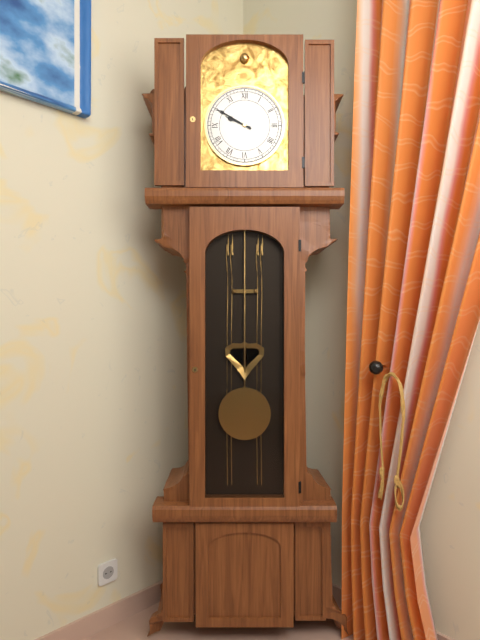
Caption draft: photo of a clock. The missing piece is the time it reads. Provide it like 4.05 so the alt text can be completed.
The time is 9.50
